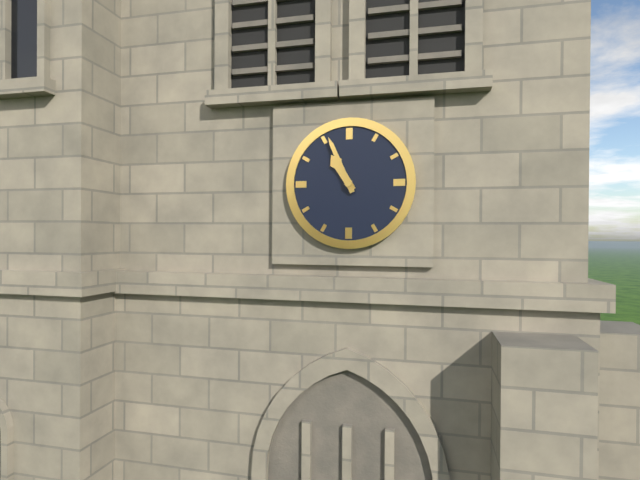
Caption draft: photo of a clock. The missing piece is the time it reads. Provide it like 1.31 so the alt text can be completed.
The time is 10.56
